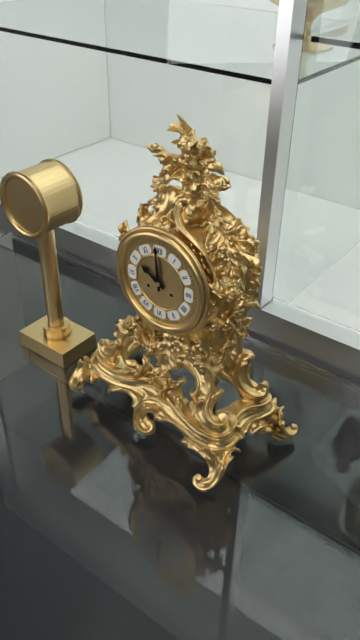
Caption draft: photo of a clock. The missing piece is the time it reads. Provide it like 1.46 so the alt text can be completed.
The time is 9.59
